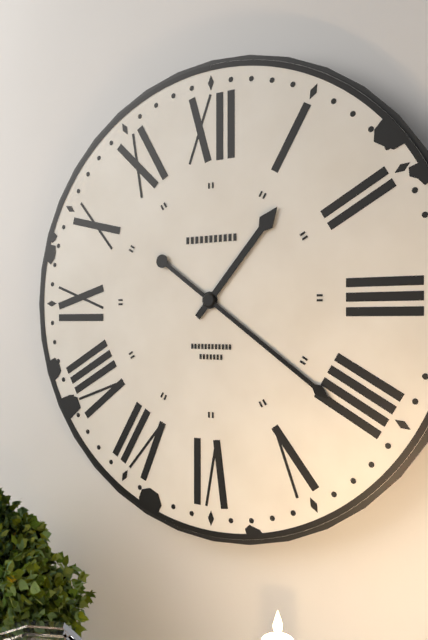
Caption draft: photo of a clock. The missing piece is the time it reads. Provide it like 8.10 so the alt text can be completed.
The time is 1.21
